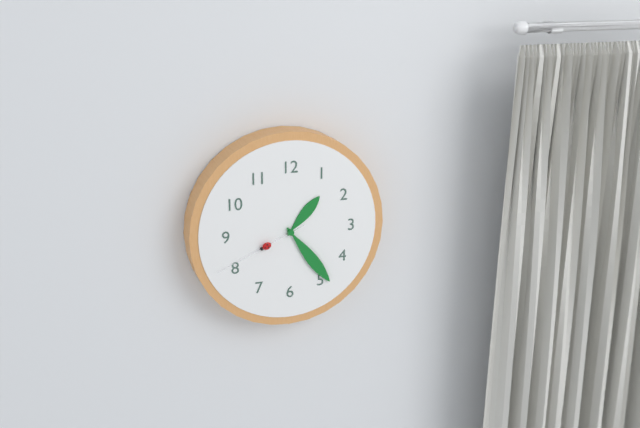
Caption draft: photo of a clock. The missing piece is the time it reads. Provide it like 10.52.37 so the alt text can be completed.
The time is 1.24.41
